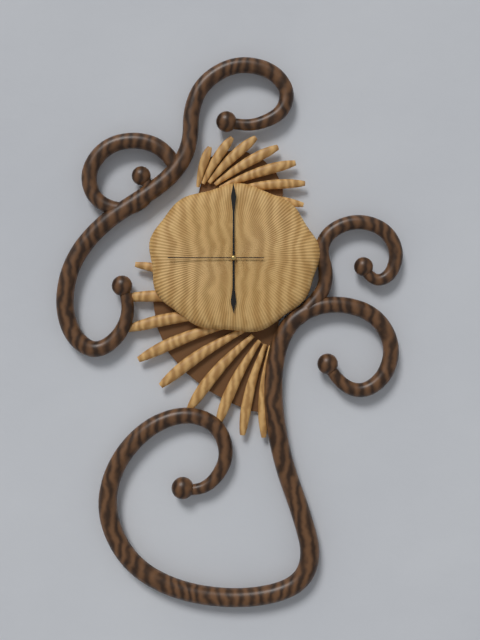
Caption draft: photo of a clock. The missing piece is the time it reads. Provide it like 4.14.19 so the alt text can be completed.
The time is 6.00.45
